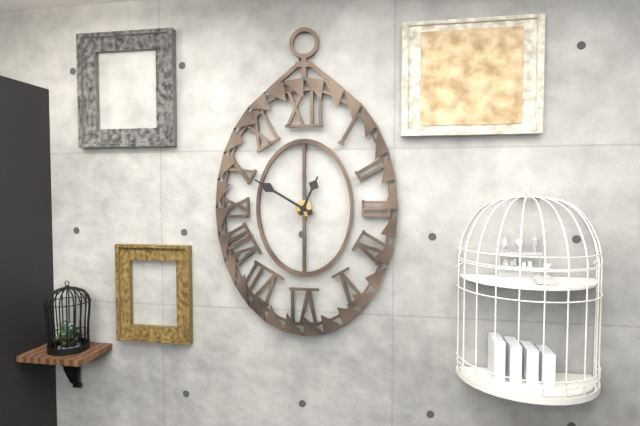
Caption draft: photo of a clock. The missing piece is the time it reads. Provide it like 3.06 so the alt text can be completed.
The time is 12.50
